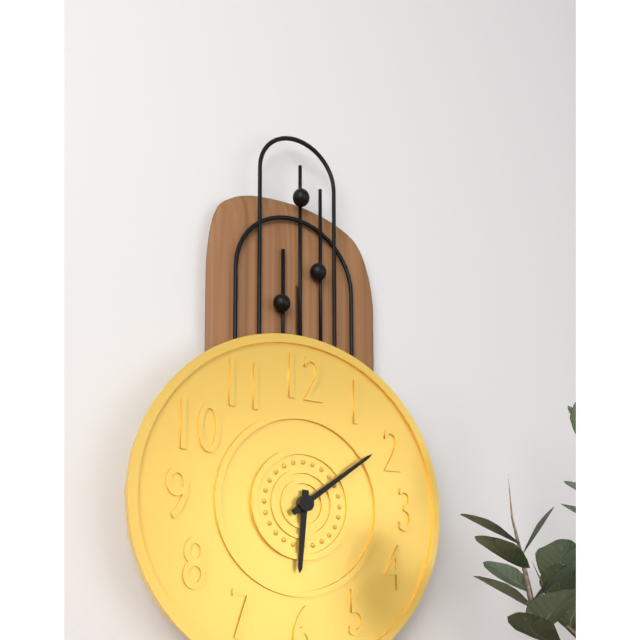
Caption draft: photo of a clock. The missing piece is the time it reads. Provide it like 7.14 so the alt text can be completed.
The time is 6.09
